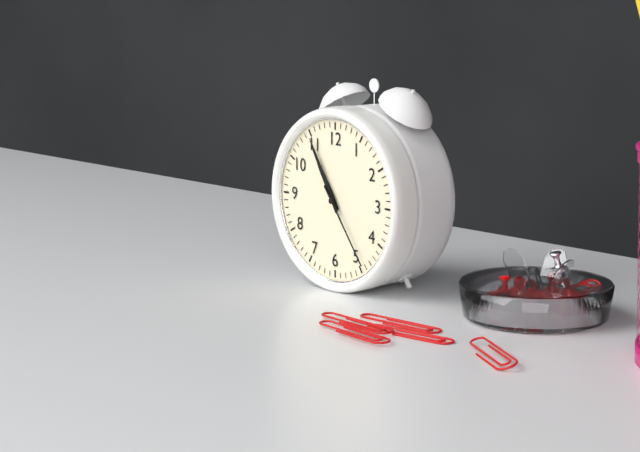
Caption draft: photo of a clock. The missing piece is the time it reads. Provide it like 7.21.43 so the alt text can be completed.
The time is 10.55.24
